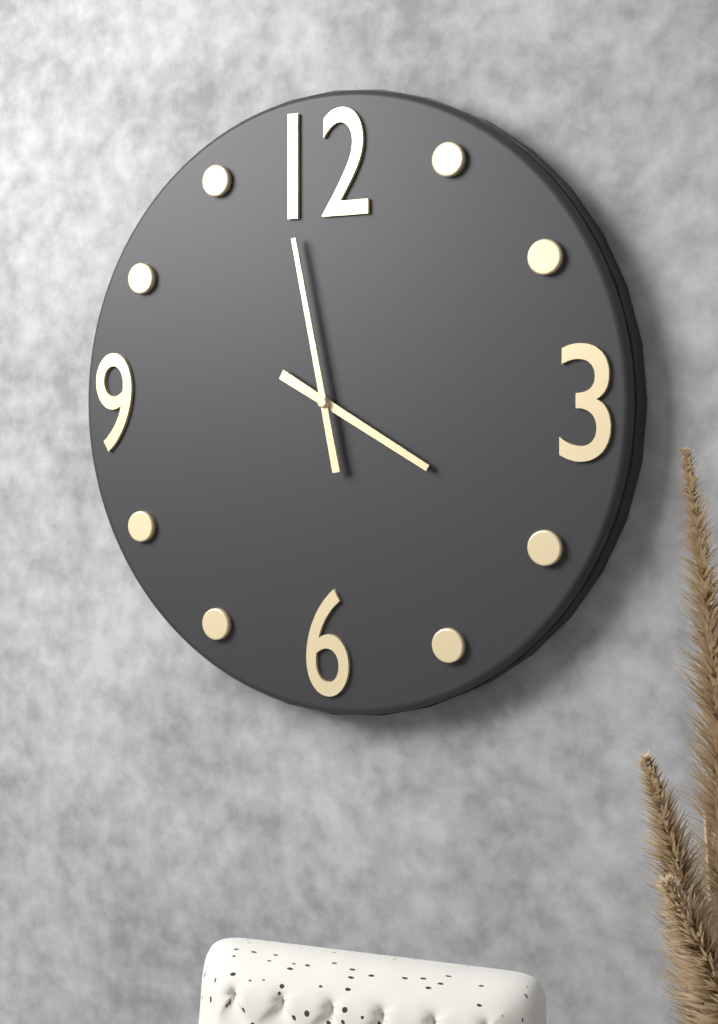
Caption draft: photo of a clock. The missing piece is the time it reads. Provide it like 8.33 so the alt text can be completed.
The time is 3.58
